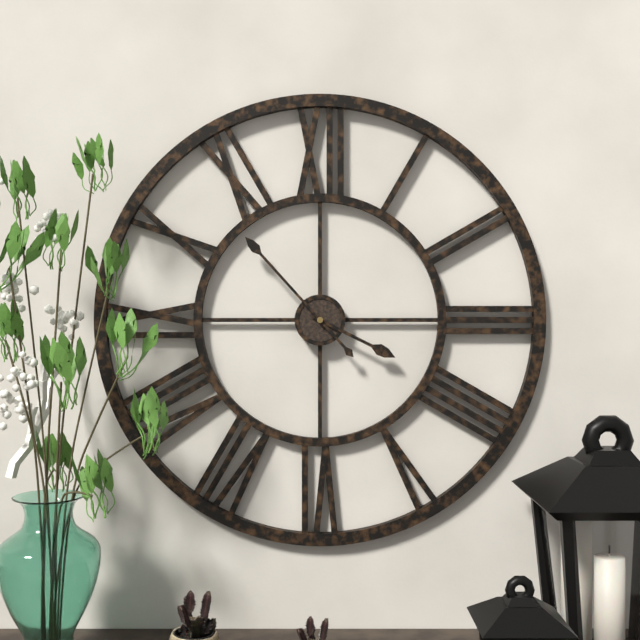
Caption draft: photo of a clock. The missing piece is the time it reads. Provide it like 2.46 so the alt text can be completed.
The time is 3.53
